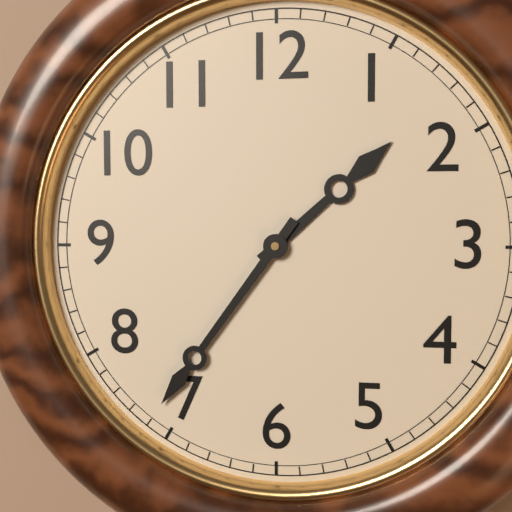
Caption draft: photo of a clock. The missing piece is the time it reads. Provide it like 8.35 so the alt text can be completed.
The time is 1.36
